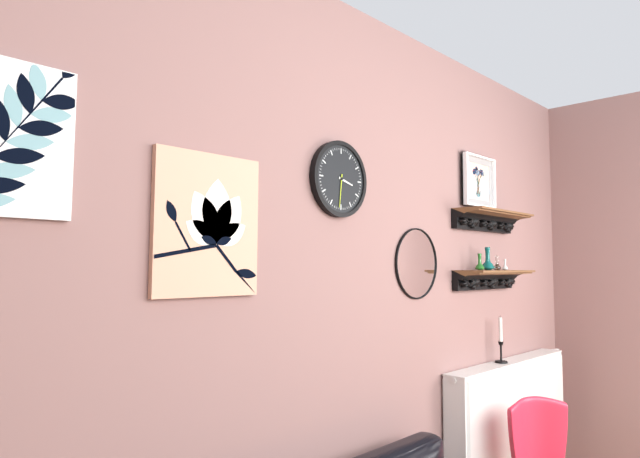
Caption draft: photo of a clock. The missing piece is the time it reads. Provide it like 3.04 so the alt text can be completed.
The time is 3.31
